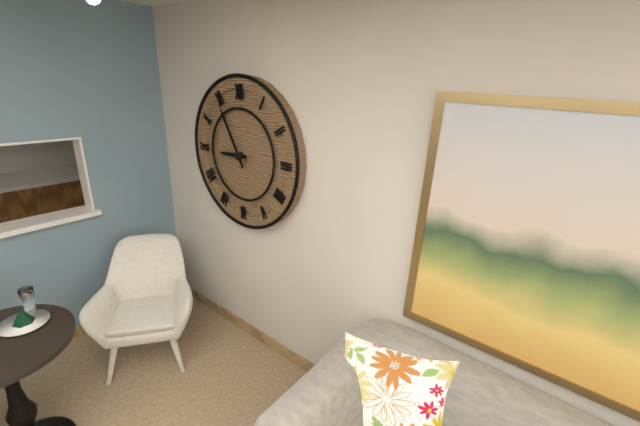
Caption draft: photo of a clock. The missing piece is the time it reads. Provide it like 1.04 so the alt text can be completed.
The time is 8.55
